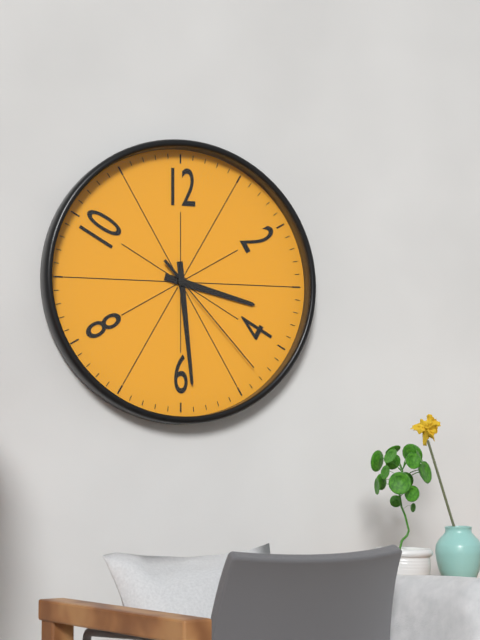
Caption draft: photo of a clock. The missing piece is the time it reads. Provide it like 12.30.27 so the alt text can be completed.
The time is 3.29.23
